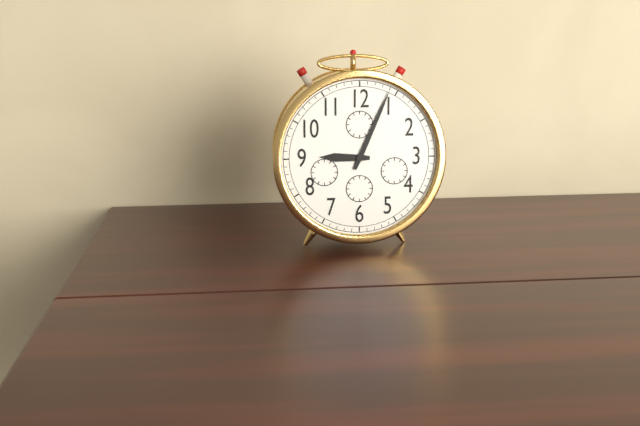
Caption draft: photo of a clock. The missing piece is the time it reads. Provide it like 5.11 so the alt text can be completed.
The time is 9.04
